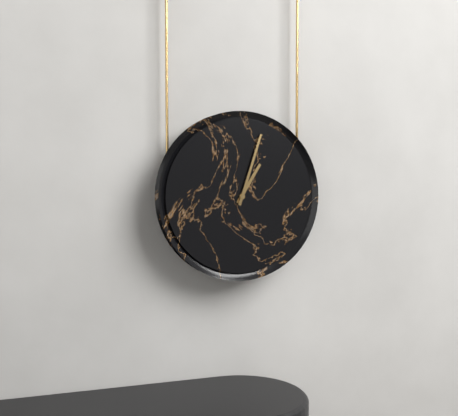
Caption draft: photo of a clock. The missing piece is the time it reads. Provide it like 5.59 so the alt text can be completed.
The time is 1.03
